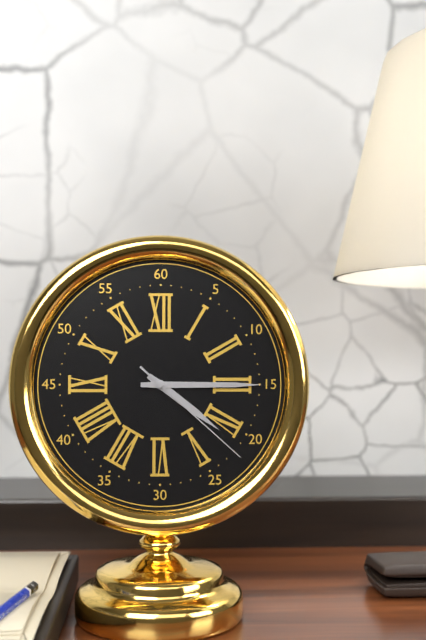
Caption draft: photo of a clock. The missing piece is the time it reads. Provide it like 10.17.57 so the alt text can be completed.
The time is 4.15.22
